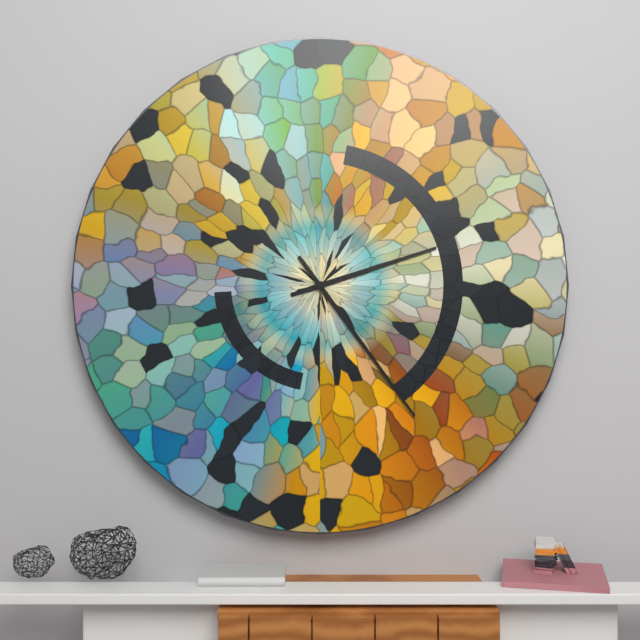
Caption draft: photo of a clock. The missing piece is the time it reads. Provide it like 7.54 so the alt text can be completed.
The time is 2.24
